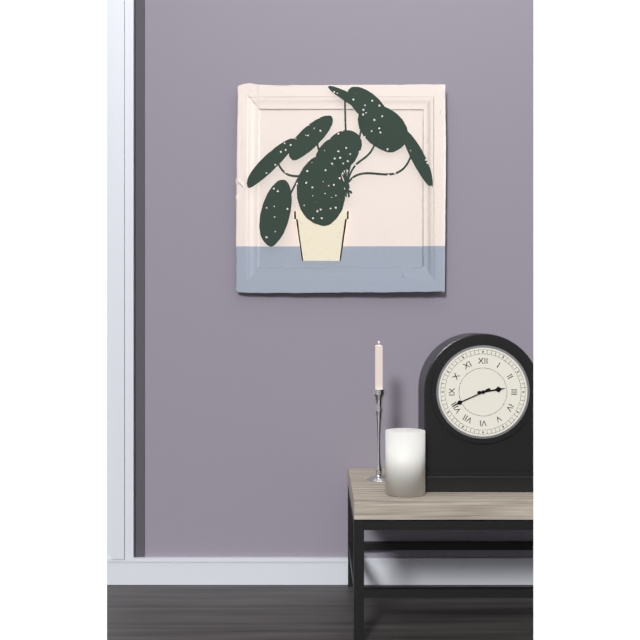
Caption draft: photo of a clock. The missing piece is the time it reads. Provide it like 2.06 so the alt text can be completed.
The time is 2.41
